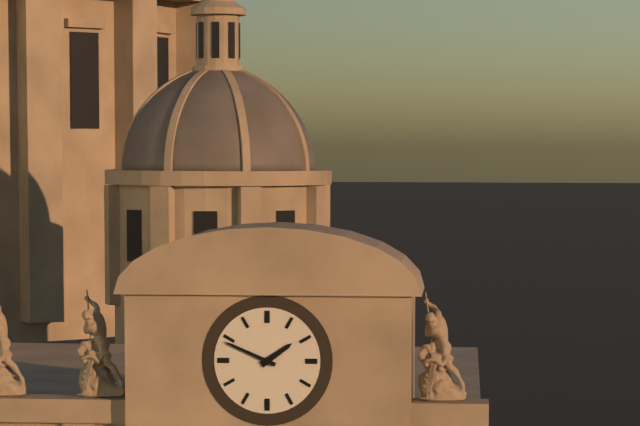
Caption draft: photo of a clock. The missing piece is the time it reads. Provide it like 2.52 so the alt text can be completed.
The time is 1.49
